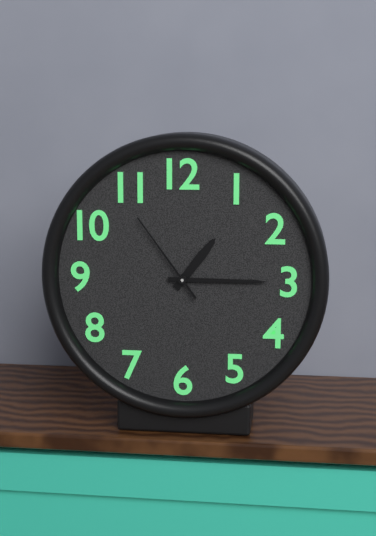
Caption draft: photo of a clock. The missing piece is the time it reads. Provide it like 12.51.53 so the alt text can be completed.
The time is 1.15.54
